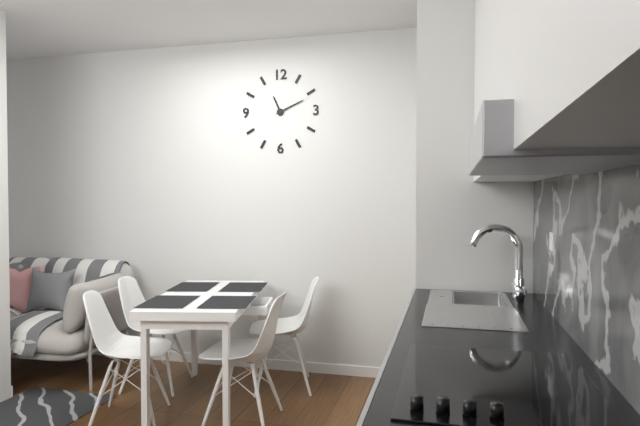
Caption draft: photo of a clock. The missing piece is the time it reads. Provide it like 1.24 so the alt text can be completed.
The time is 11.11
